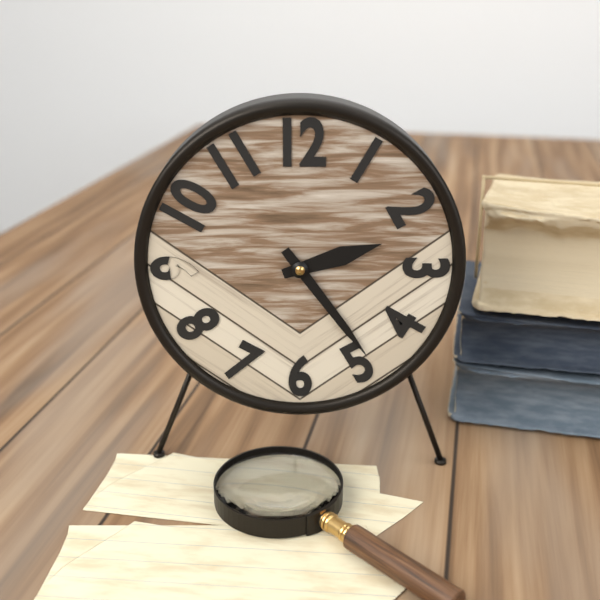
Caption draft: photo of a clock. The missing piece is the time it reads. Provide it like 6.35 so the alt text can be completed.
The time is 2.24
